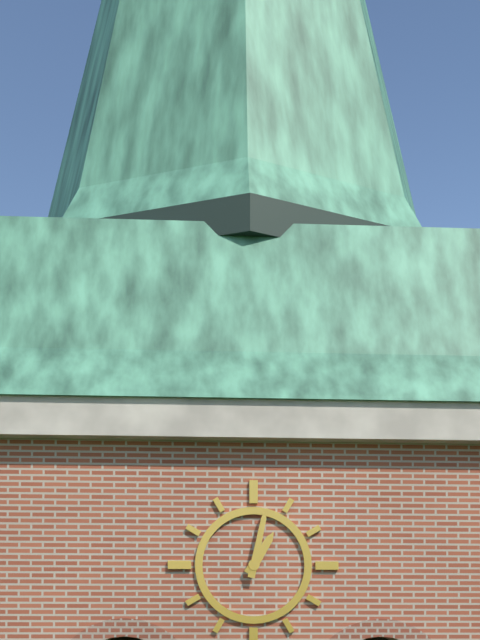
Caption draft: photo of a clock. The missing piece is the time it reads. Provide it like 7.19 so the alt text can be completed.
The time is 1.02
